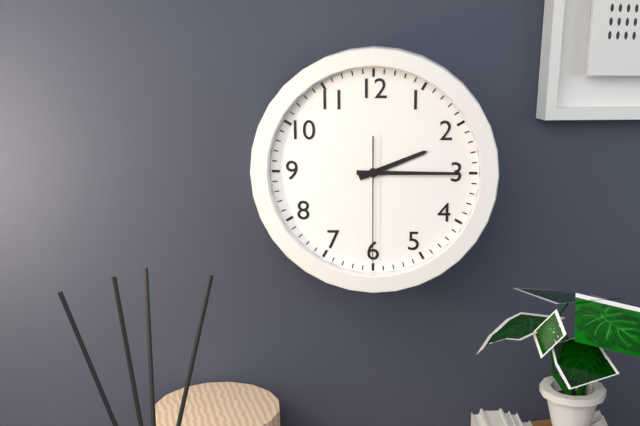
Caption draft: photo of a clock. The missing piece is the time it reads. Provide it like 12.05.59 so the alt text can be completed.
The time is 2.15.30
